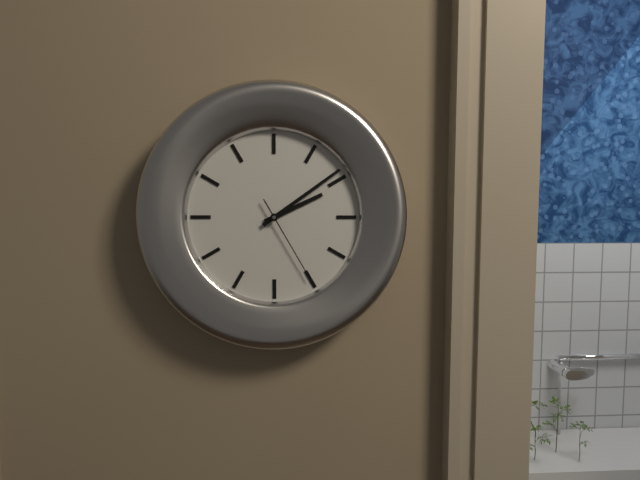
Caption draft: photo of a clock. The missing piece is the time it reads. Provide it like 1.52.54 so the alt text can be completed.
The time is 2.09.25
